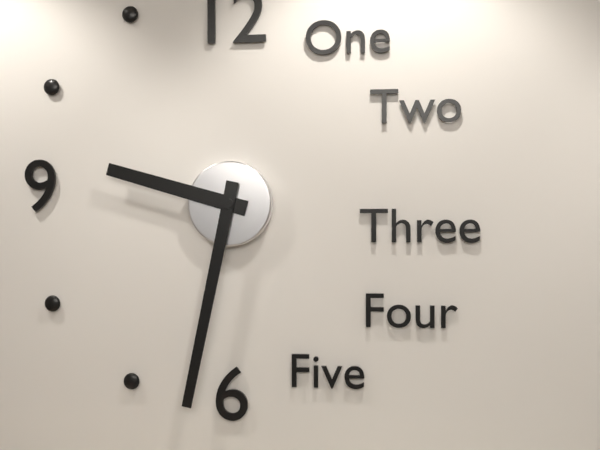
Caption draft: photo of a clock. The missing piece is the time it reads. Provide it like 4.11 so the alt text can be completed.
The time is 9.32
